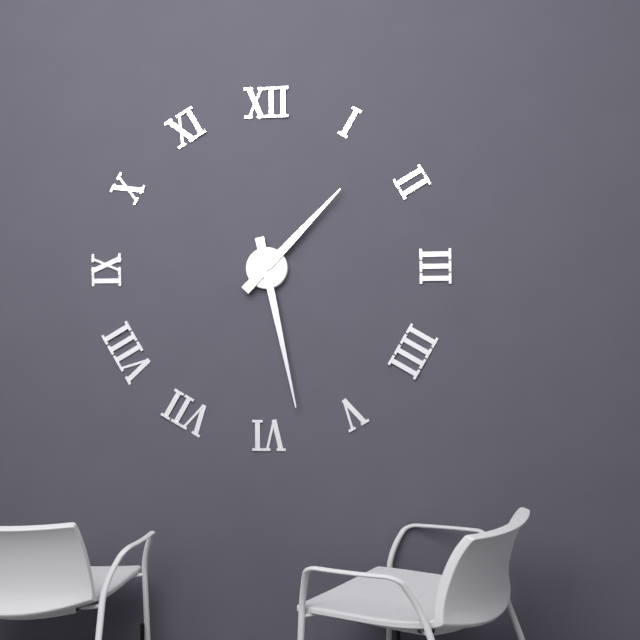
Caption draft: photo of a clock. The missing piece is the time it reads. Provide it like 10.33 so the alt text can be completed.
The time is 1.28
